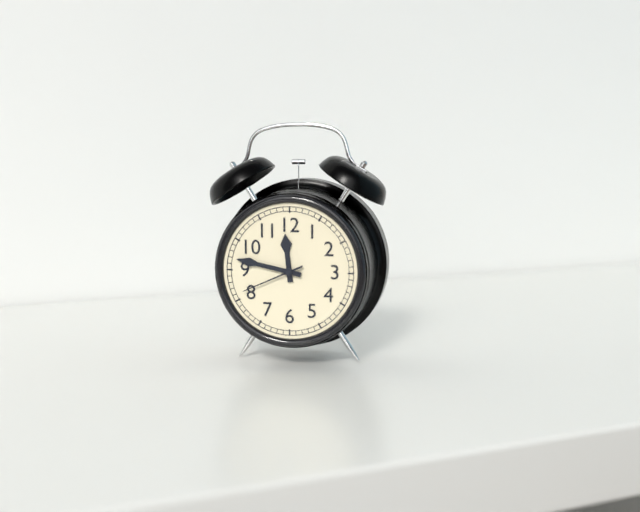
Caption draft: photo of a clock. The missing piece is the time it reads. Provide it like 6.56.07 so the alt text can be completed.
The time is 11.47.41
